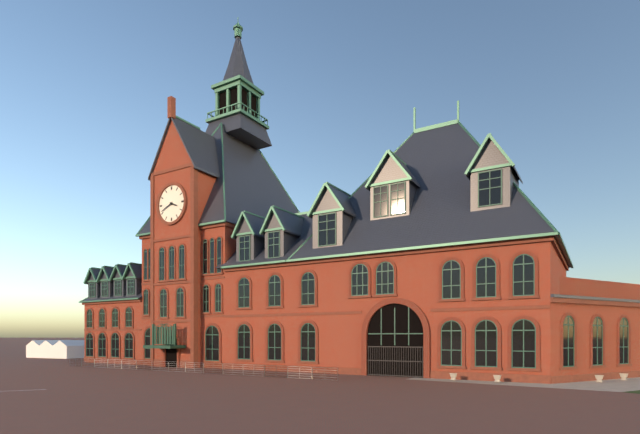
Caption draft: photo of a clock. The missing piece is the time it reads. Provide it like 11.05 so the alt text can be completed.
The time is 3.41
